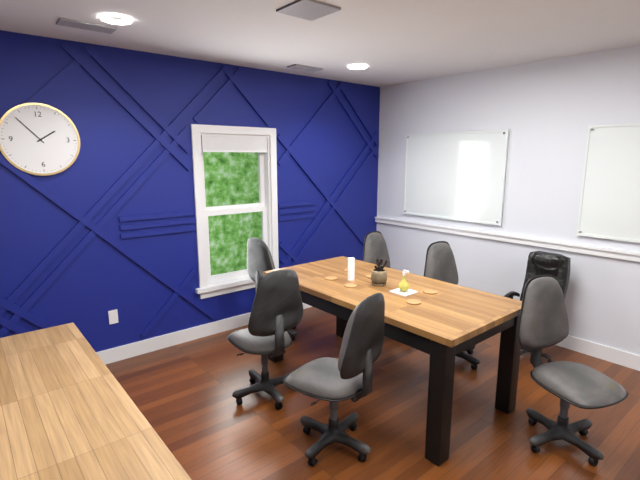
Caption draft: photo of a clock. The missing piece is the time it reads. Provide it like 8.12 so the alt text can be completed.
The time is 1.53
